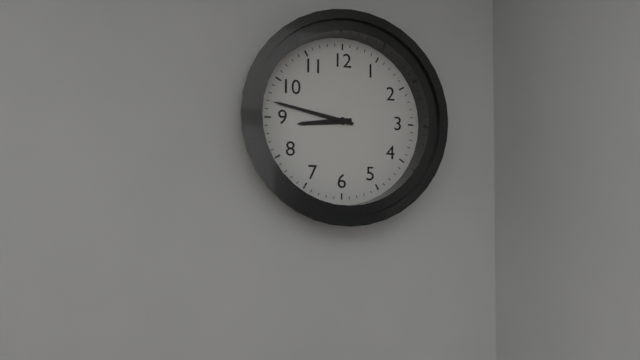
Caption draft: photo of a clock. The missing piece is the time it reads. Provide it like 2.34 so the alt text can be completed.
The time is 8.47
